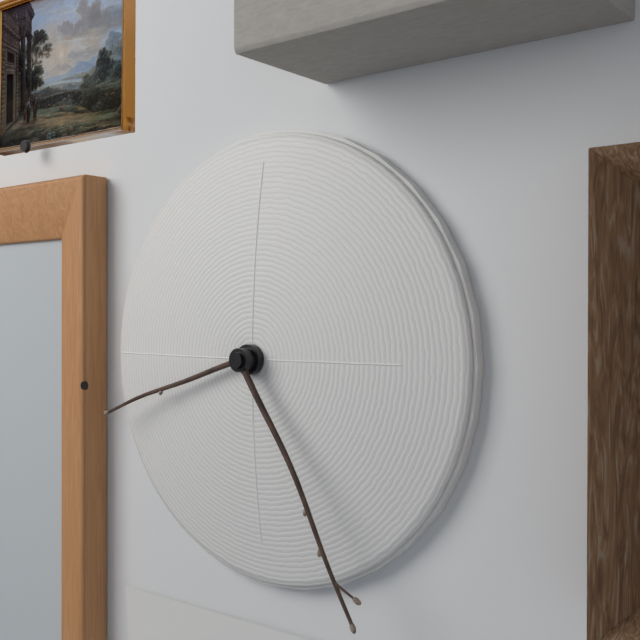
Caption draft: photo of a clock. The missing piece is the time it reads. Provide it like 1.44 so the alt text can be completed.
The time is 8.25
